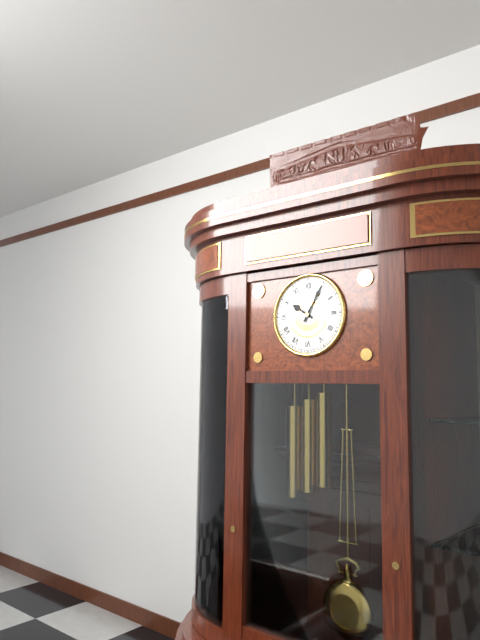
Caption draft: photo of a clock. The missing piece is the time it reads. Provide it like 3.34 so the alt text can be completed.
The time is 10.05
